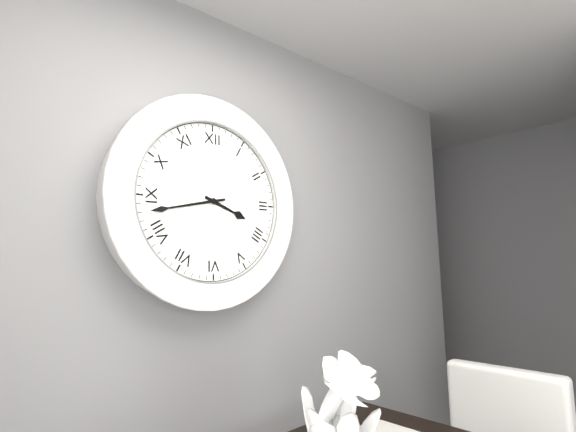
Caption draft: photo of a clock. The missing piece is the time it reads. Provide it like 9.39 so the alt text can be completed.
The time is 3.43
